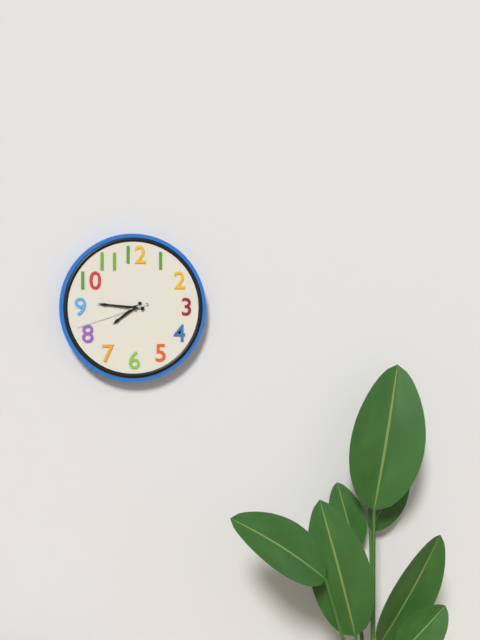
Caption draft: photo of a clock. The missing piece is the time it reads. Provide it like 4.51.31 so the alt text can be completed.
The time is 7.46.42
